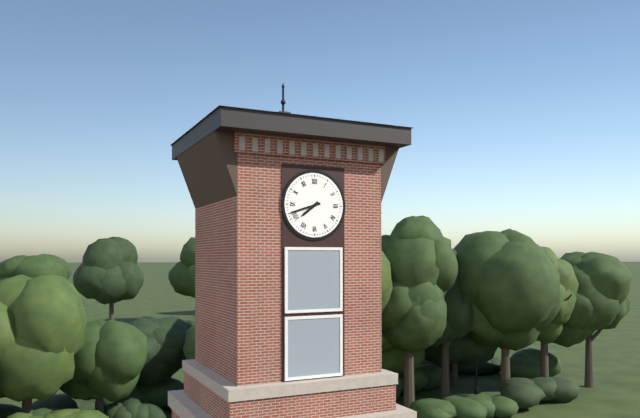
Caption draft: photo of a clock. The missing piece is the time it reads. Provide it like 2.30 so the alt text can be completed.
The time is 7.42
